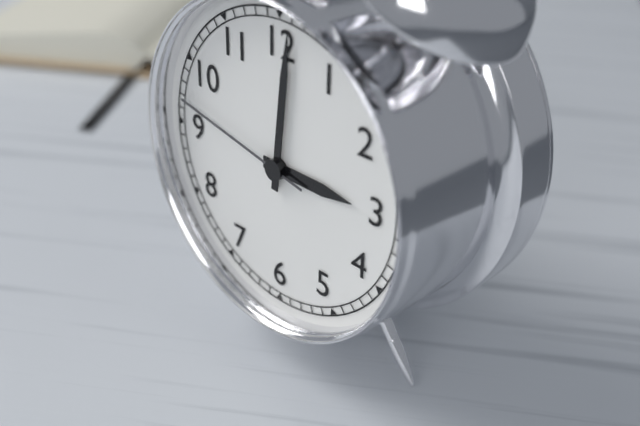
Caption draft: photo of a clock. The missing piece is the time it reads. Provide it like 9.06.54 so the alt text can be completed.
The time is 3.01.47
